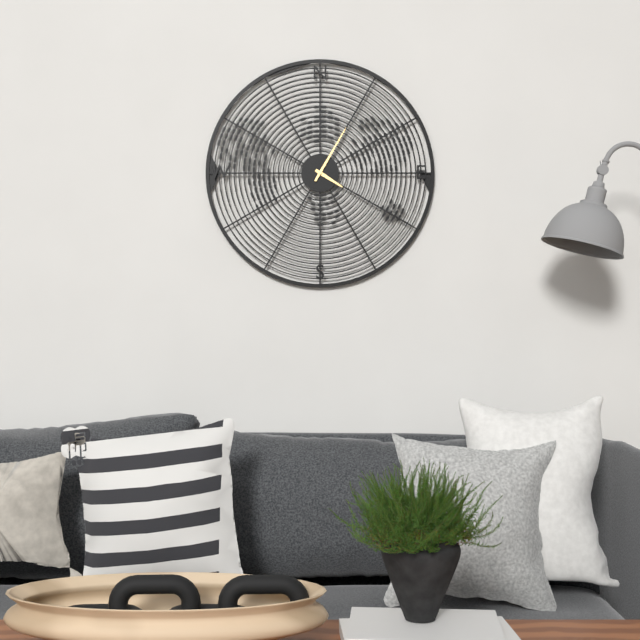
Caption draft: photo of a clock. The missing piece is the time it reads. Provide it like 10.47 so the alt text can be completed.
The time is 4.05
